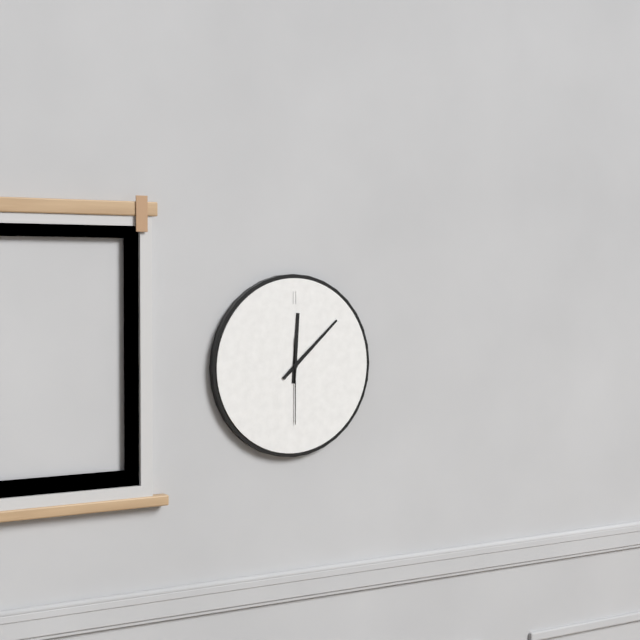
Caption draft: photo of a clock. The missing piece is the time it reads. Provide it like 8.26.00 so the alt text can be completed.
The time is 12.08.30
